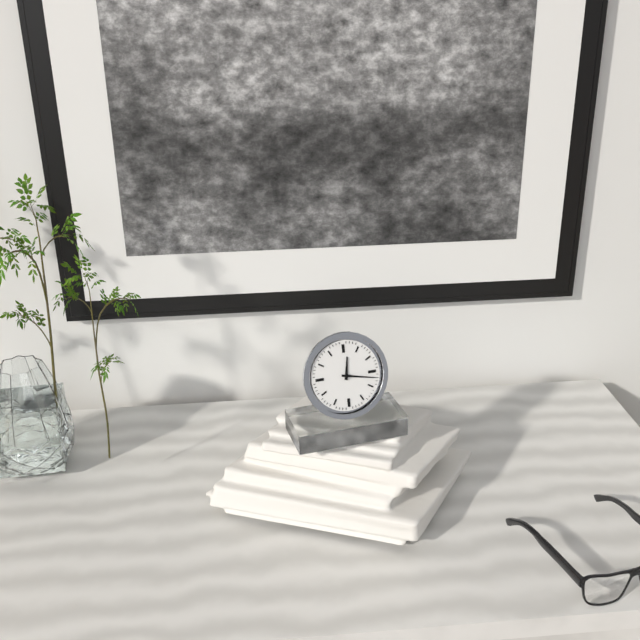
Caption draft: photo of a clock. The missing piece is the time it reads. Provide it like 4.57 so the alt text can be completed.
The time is 12.17
